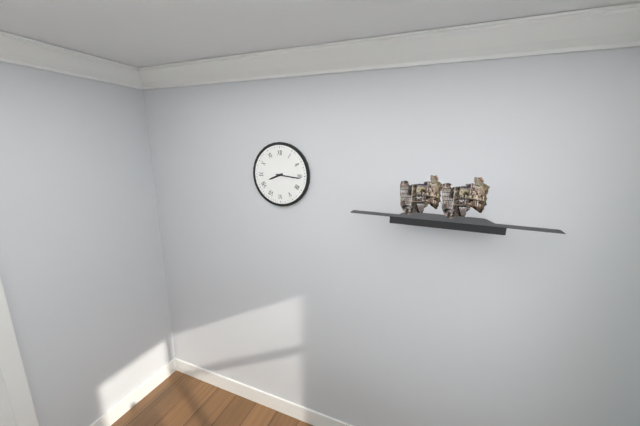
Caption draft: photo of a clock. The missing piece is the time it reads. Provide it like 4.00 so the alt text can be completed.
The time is 8.16
